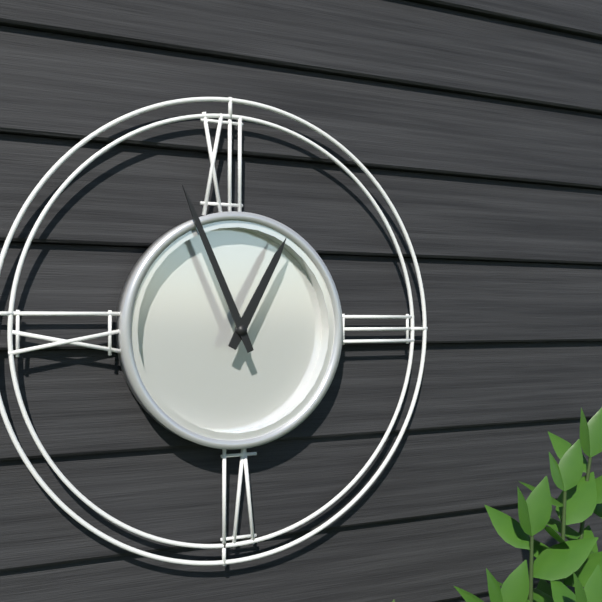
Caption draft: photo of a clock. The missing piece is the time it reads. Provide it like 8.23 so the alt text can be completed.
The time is 12.56
